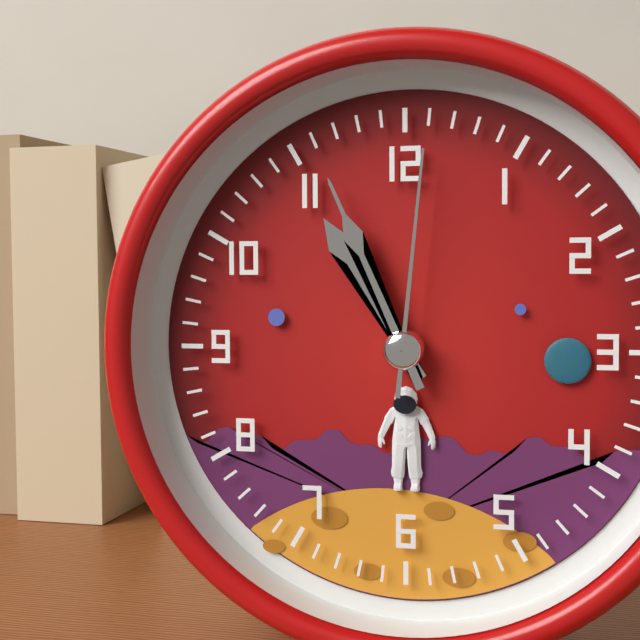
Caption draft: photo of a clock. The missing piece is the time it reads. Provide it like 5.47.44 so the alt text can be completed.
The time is 10.56.01
